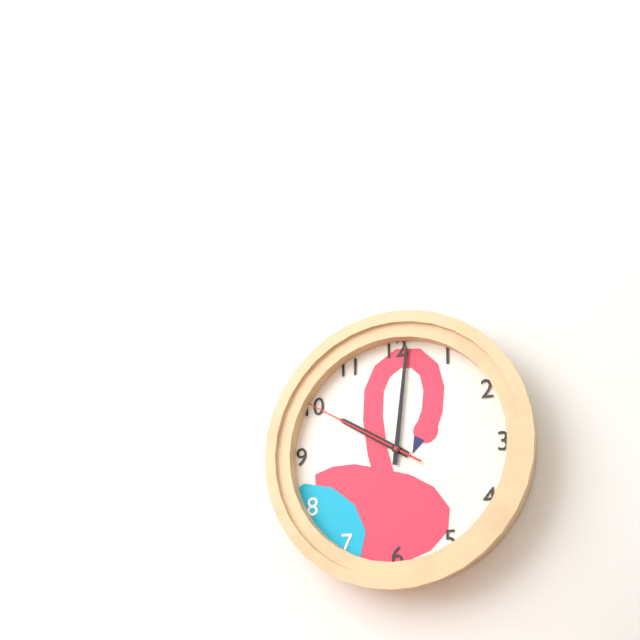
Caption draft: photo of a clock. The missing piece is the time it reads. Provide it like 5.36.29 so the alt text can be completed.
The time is 10.01.50
